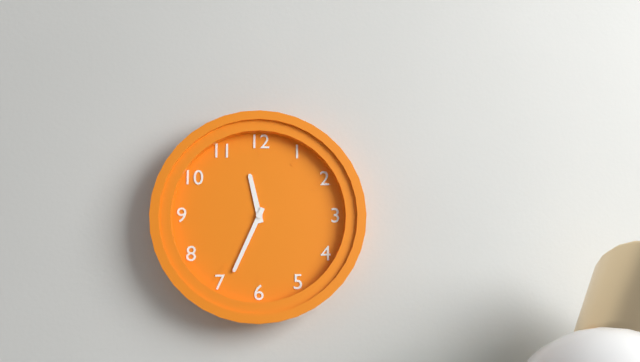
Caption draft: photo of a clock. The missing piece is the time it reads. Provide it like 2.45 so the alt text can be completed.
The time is 11.34
